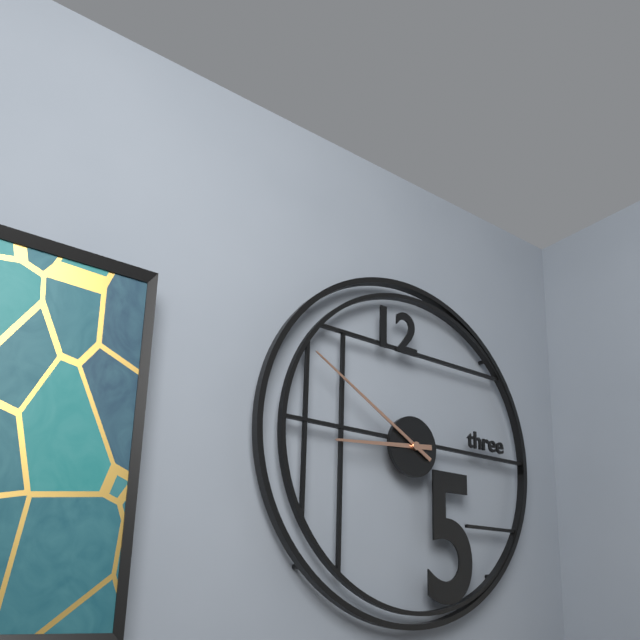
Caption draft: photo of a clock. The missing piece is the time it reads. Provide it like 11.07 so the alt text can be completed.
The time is 8.50
